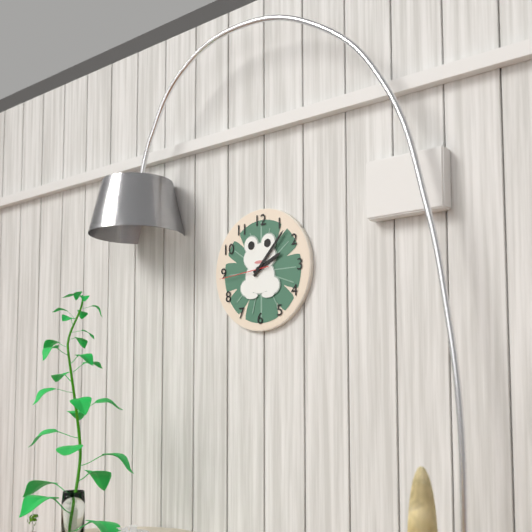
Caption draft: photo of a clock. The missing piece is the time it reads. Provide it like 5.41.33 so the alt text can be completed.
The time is 2.07.44
